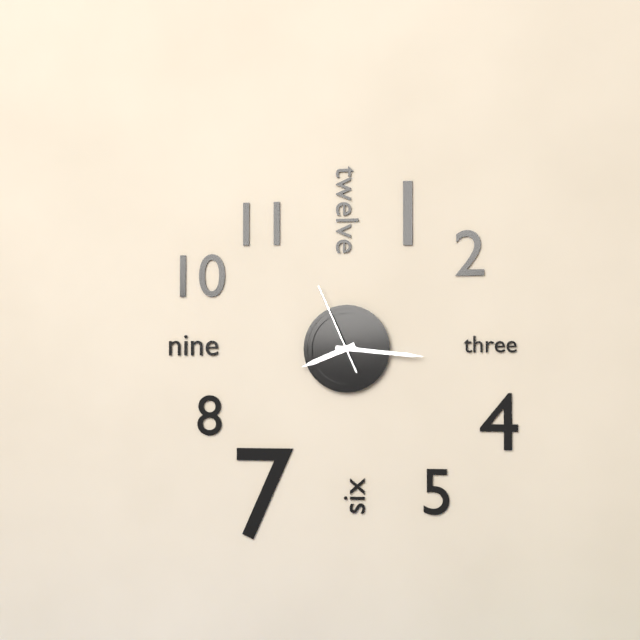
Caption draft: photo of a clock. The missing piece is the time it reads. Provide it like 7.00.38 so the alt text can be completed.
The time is 8.16.56
